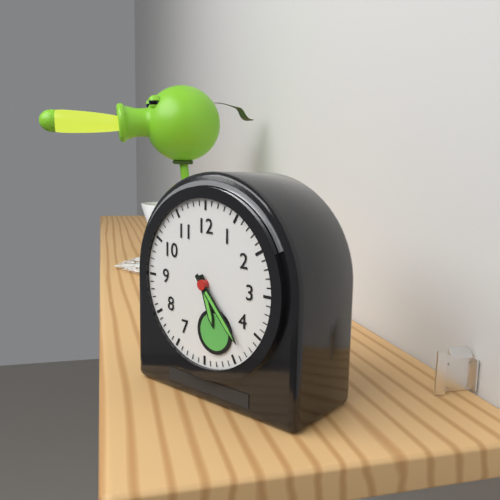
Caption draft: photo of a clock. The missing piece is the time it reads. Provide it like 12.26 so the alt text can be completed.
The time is 5.23
